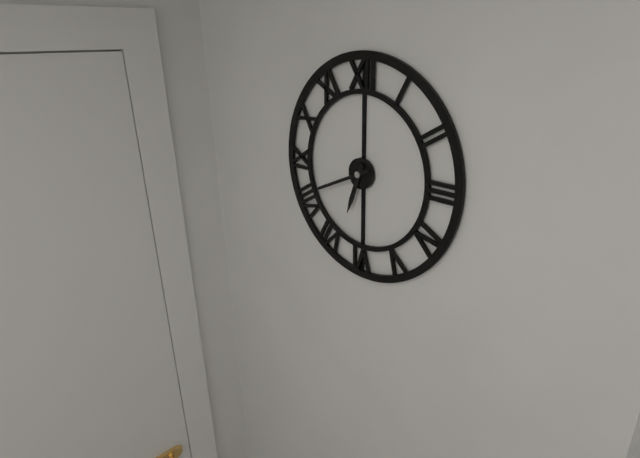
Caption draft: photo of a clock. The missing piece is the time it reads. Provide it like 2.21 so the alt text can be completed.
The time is 6.41
